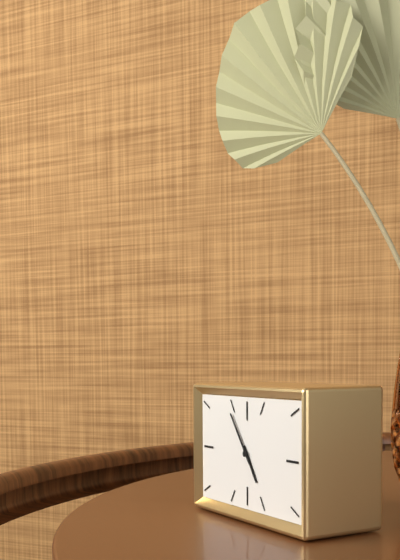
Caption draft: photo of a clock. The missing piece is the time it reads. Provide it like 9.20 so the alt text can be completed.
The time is 4.54
